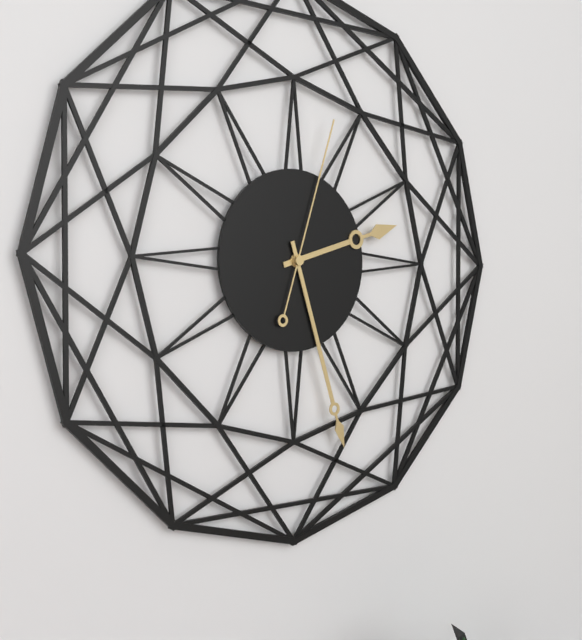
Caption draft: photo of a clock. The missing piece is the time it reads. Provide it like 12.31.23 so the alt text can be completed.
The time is 2.27.03
